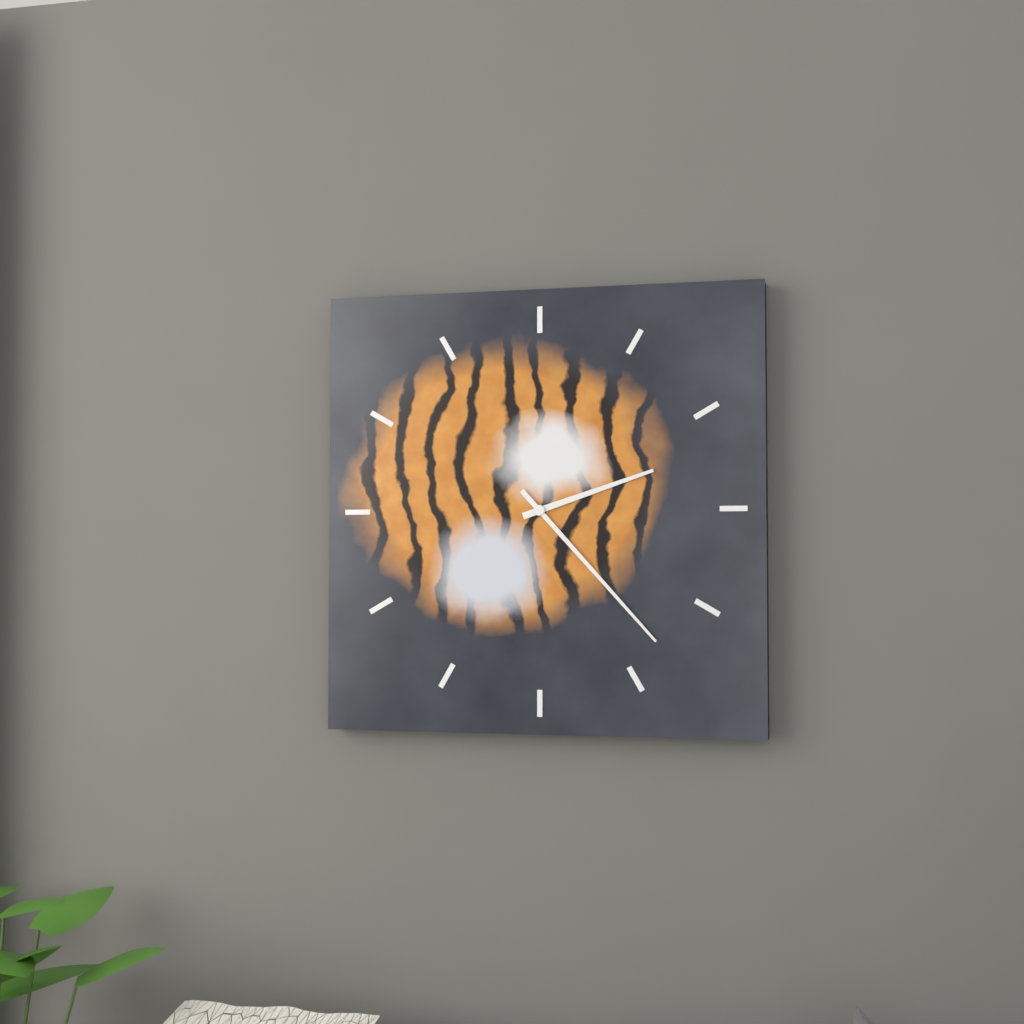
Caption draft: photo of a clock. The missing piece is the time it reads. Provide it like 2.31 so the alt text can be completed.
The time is 2.23
